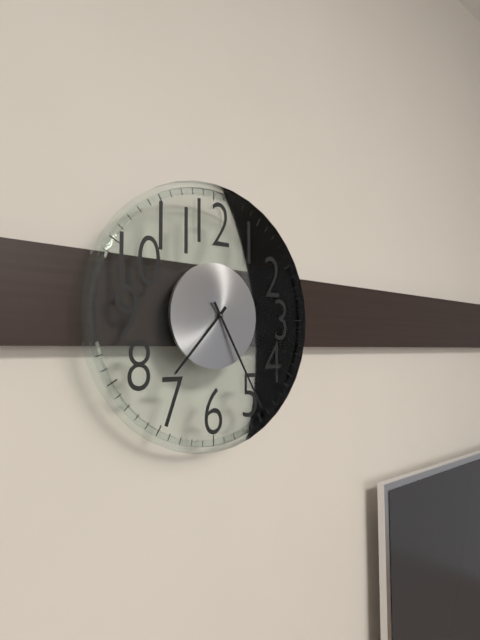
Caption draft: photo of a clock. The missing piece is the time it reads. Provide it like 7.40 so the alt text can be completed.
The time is 7.25
